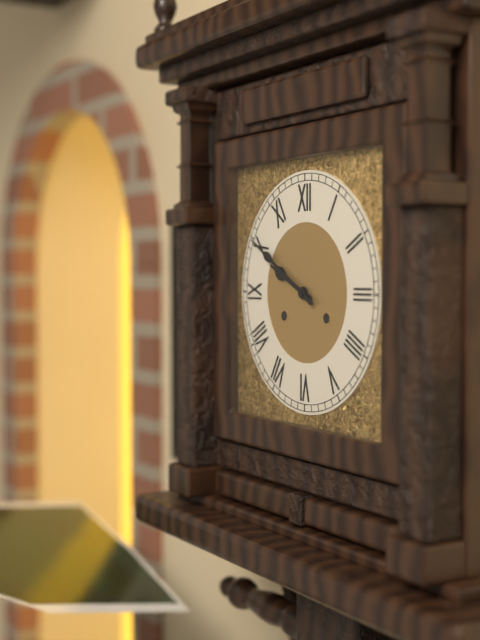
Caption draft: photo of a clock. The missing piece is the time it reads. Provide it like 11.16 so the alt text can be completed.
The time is 9.50
